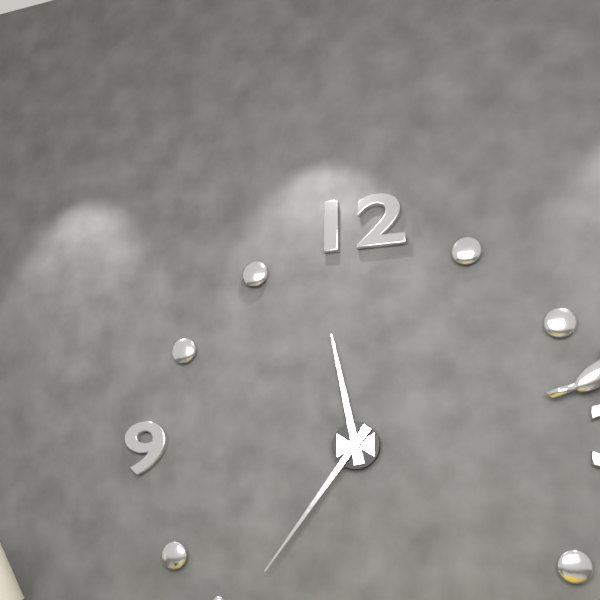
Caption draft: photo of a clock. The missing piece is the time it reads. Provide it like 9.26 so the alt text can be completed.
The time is 11.36
